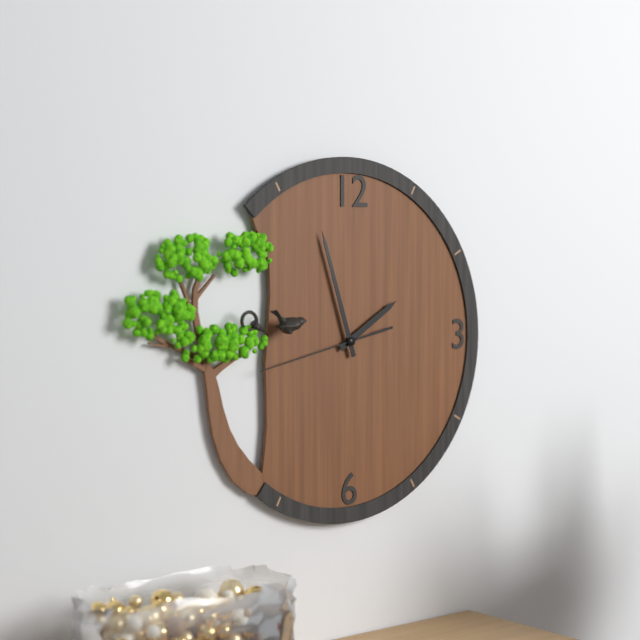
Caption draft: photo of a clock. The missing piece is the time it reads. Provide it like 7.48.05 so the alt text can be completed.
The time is 1.57.43
